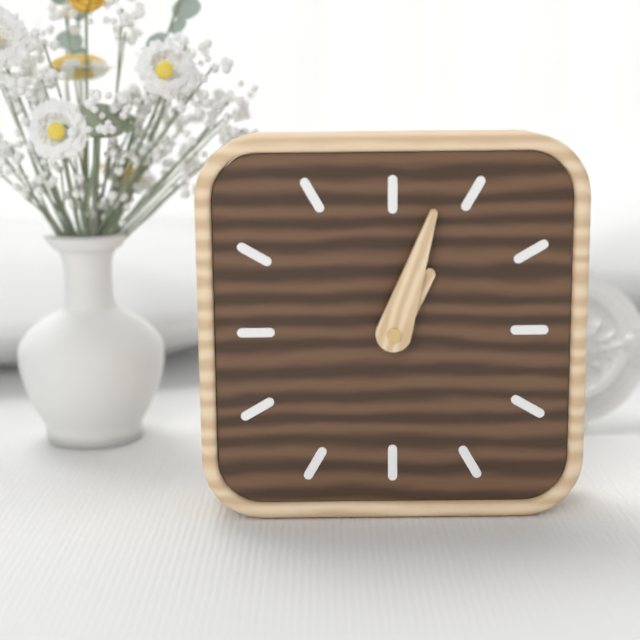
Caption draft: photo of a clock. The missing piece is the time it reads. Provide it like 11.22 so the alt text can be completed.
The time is 1.03
